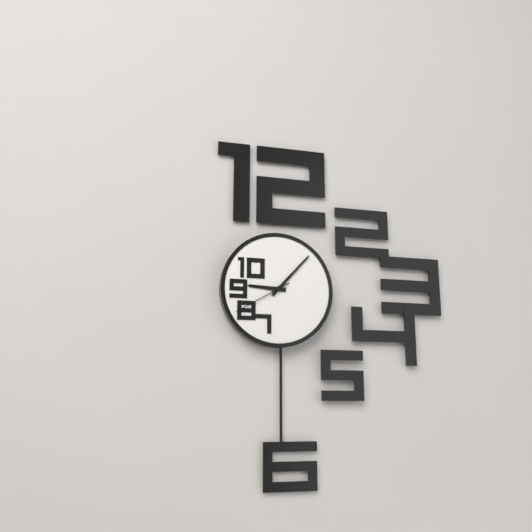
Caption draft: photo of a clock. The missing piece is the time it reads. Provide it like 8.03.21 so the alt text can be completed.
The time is 9.07.40
